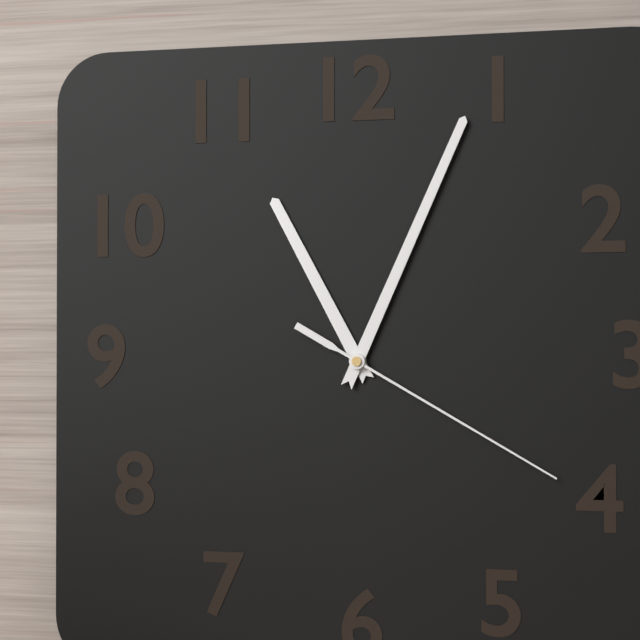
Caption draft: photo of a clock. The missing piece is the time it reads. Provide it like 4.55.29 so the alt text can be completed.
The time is 11.04.20
